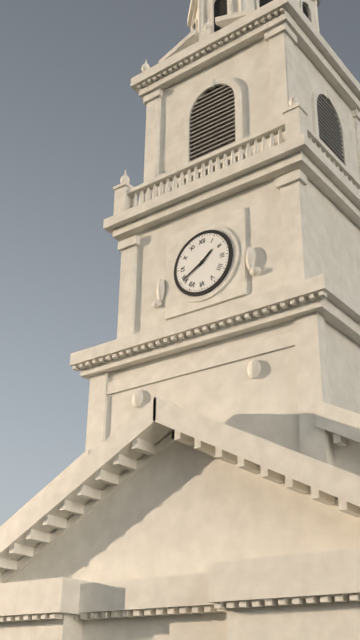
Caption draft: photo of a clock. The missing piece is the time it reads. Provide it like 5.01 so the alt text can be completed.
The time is 1.40
